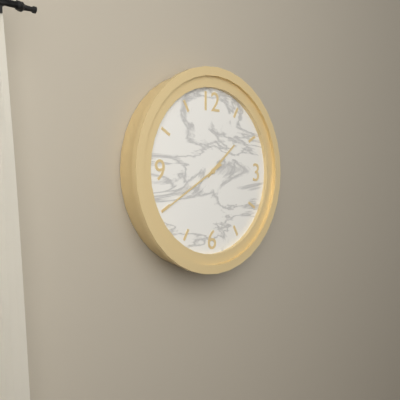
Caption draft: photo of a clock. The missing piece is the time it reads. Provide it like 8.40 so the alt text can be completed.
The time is 1.40
